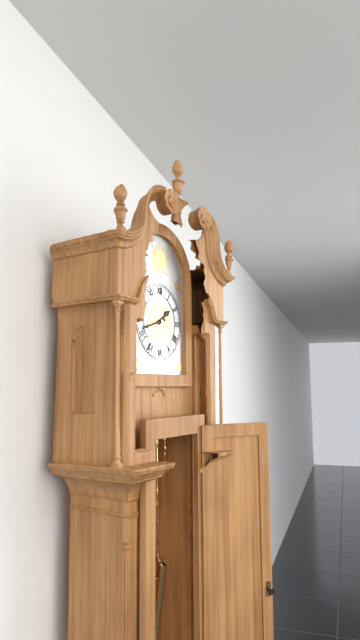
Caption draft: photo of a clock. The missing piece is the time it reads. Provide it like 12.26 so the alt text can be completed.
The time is 1.42
